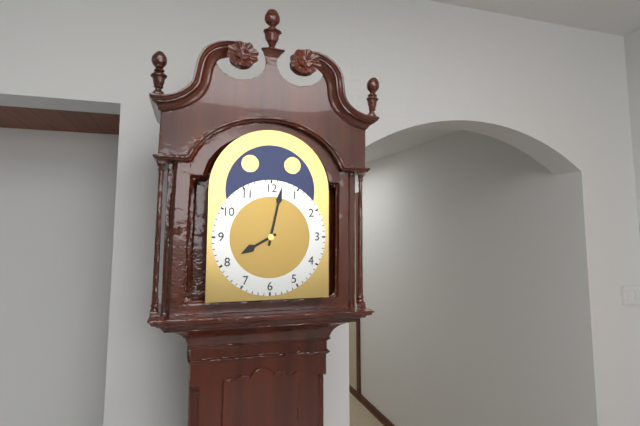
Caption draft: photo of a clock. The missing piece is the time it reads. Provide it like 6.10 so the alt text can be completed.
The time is 8.02
